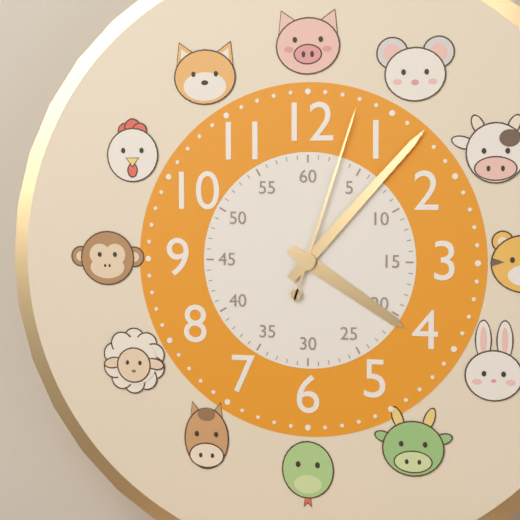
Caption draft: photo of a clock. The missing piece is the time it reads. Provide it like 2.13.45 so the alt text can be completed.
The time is 4.07.03
